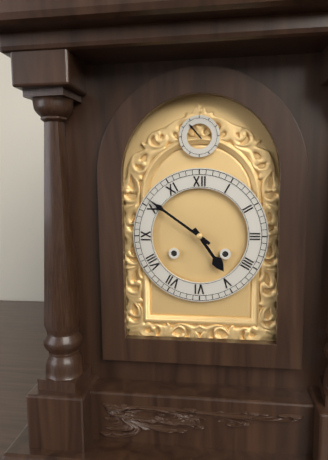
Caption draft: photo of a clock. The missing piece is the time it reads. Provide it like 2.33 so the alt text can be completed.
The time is 4.51
